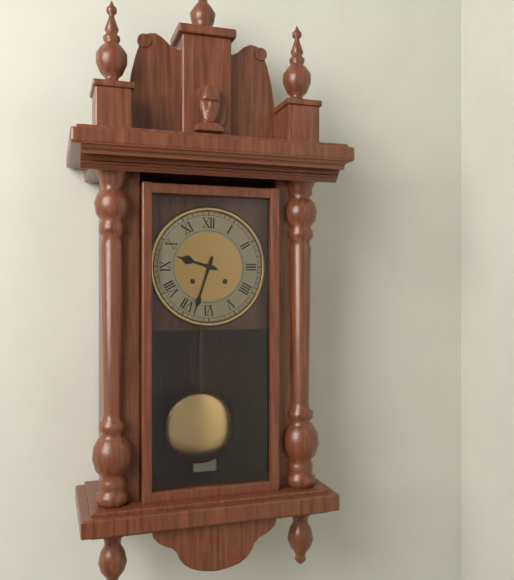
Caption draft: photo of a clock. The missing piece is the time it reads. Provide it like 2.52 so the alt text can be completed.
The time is 9.33
